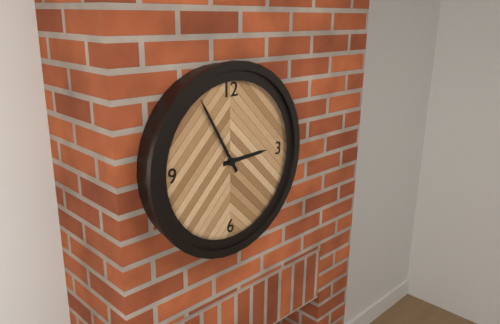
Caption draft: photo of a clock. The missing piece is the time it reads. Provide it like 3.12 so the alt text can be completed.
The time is 2.55
